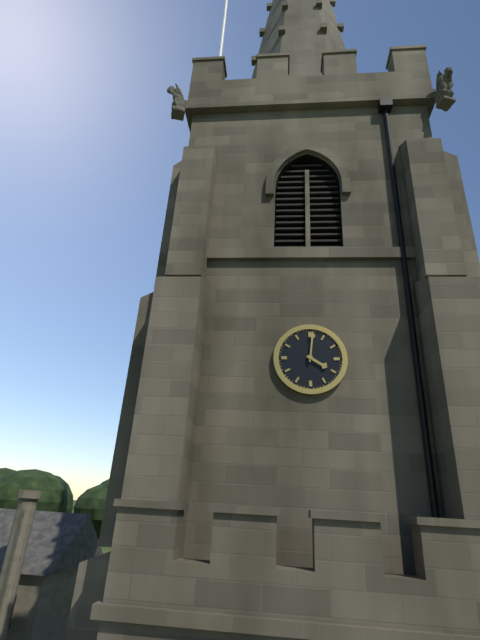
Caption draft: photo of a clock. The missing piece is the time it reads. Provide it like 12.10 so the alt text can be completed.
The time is 4.01
